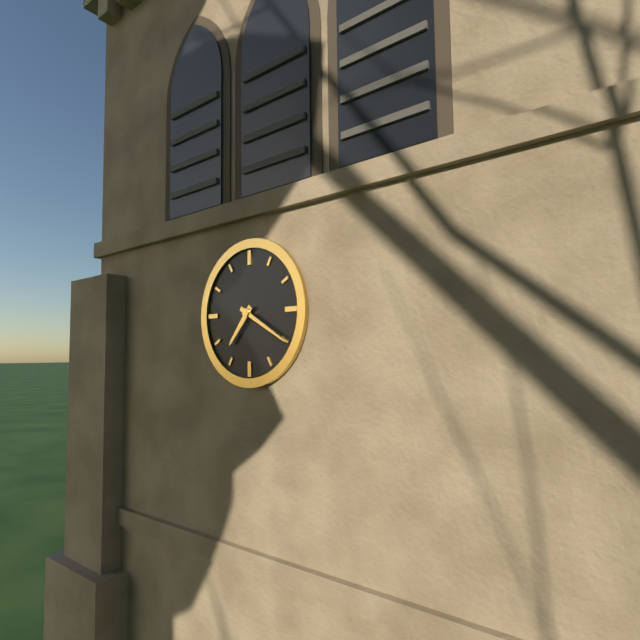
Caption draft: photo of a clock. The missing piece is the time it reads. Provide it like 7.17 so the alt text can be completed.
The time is 7.20
